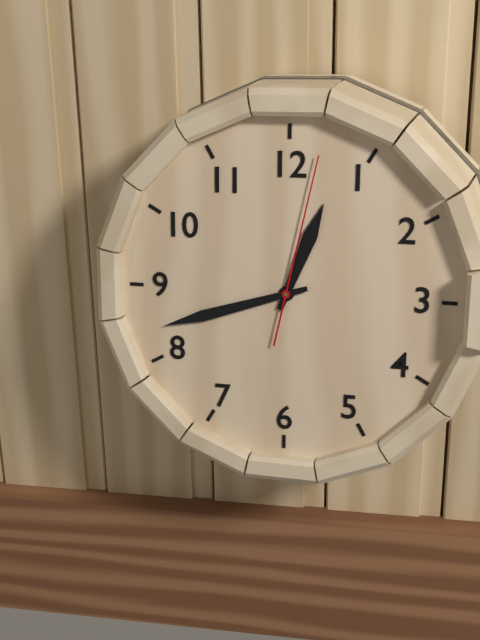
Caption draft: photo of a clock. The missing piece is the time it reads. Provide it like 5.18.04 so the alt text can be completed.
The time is 12.42.02
